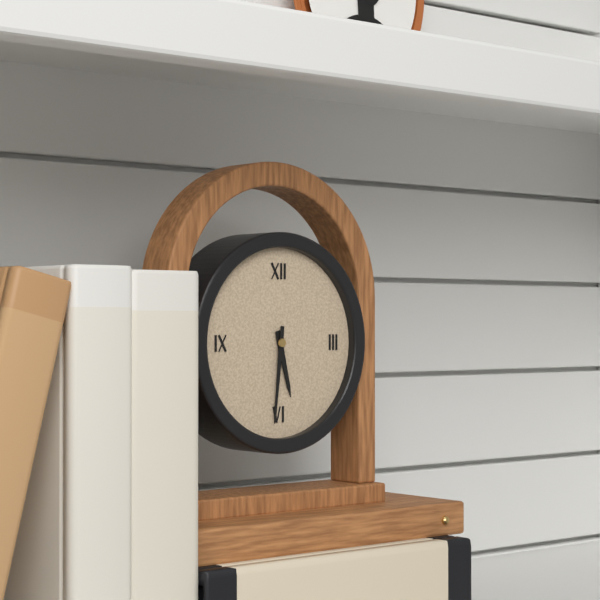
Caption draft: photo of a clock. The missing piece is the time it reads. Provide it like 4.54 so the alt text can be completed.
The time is 5.31
